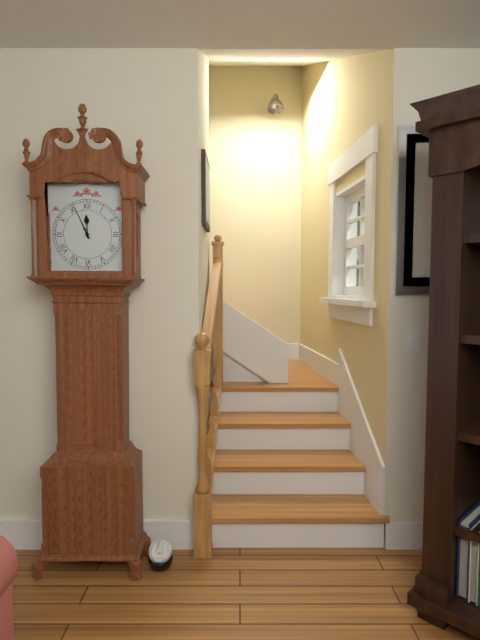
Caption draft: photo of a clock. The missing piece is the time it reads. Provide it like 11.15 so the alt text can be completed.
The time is 11.56
